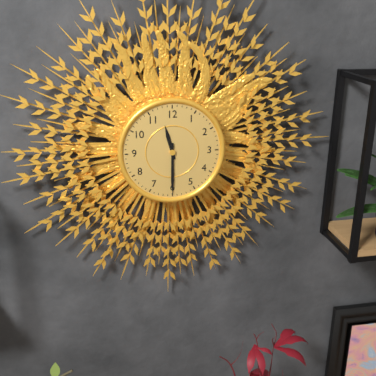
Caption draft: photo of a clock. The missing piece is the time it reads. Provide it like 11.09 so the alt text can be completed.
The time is 11.30
